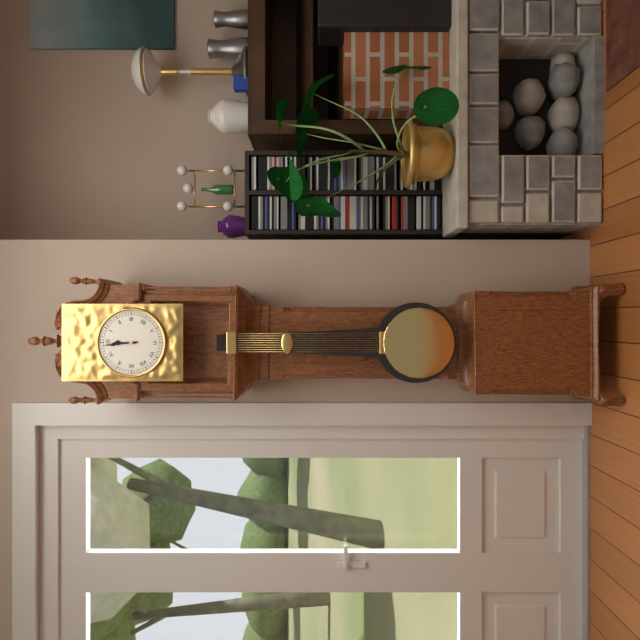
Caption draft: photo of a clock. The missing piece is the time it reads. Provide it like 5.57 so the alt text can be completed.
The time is 11.59
